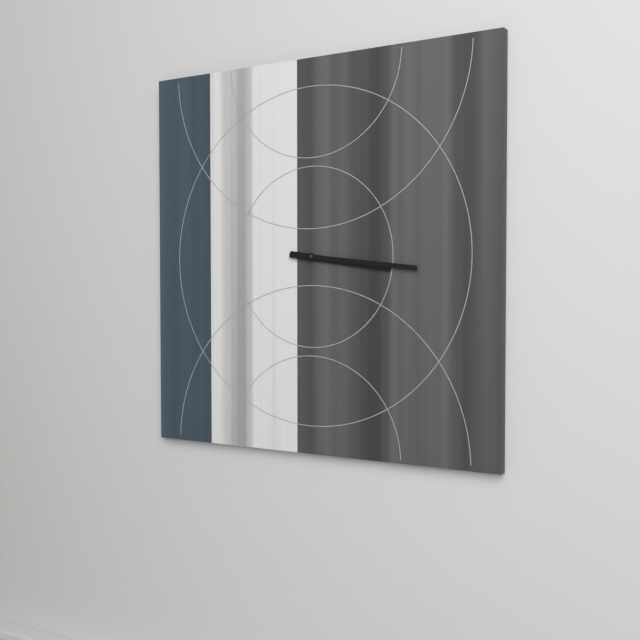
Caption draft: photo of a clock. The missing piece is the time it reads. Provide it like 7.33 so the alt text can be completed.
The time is 3.16
